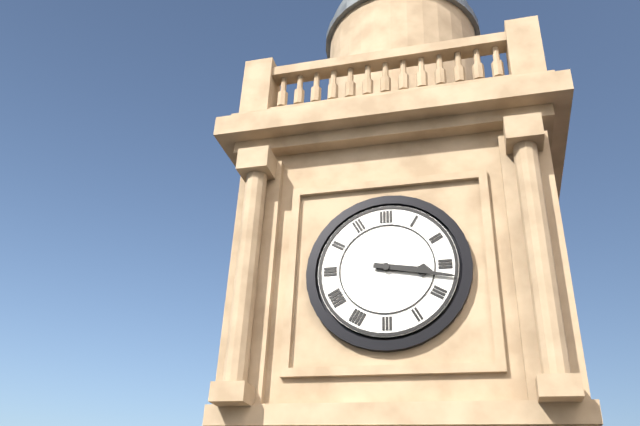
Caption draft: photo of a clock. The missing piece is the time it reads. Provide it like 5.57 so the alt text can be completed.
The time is 3.17
